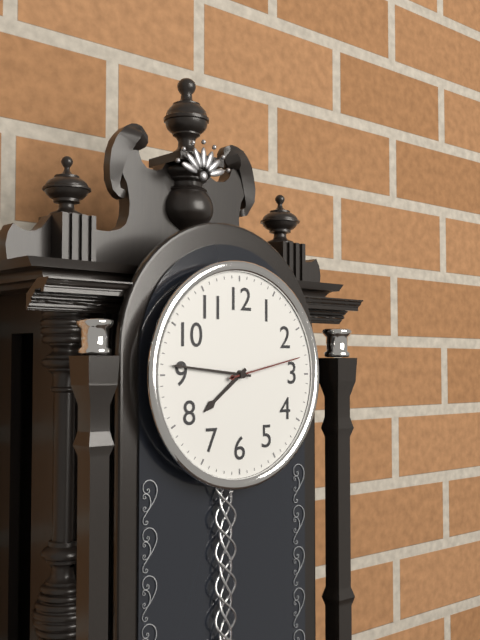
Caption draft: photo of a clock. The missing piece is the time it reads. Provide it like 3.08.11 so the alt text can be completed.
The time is 7.46.13
